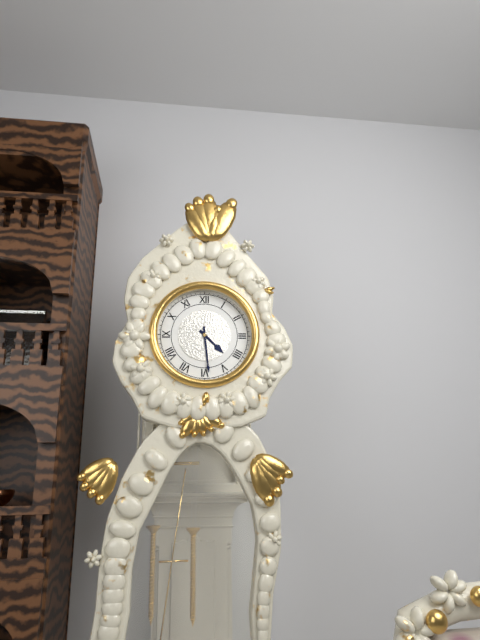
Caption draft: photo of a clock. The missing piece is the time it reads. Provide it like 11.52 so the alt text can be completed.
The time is 4.29
